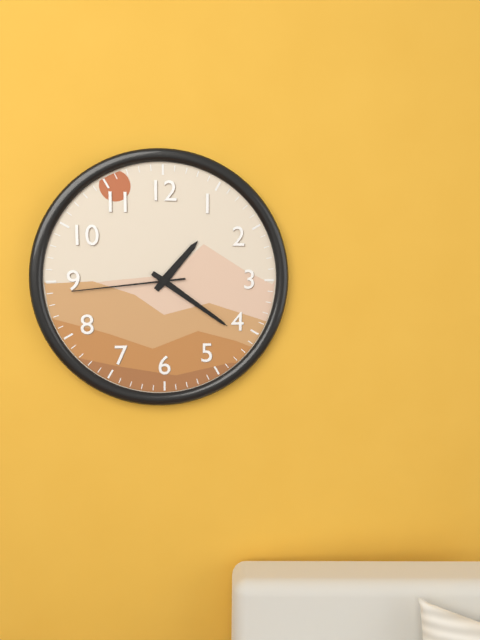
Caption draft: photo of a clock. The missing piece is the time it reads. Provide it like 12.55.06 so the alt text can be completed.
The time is 1.21.44
